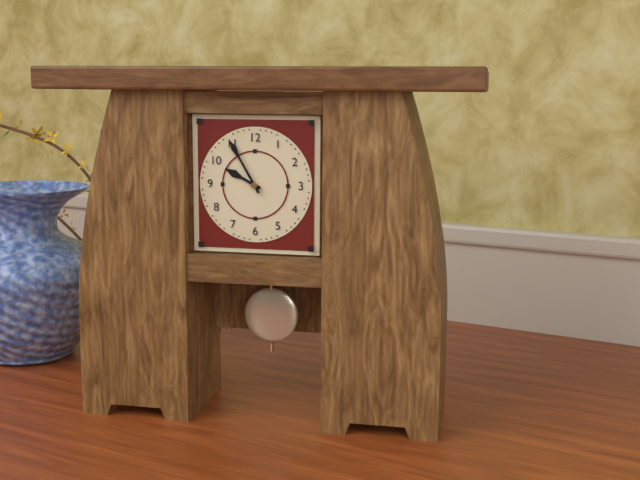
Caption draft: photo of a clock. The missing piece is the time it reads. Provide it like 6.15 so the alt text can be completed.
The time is 9.55
